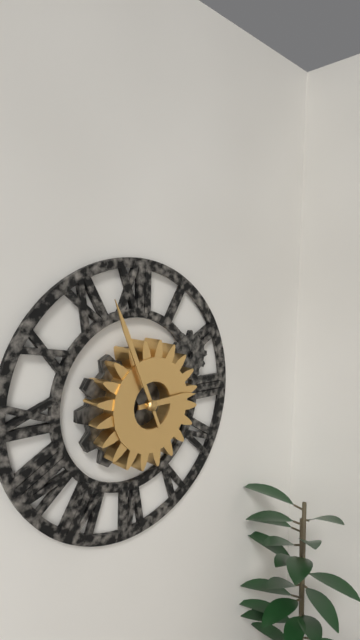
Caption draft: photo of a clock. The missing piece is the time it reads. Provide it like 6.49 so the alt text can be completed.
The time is 2.56
